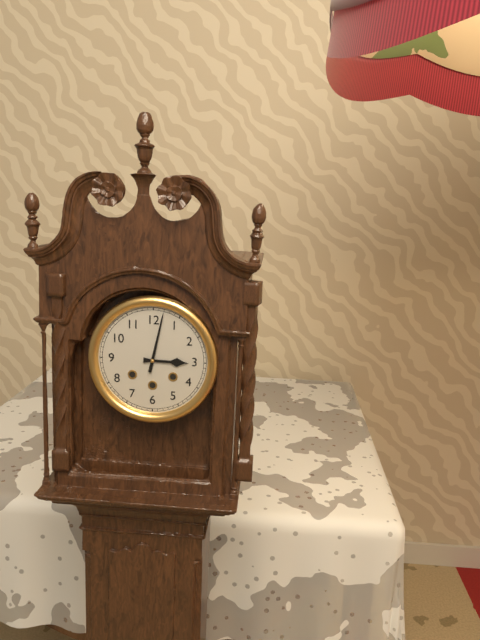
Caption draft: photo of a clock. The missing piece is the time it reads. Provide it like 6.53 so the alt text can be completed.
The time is 3.02
